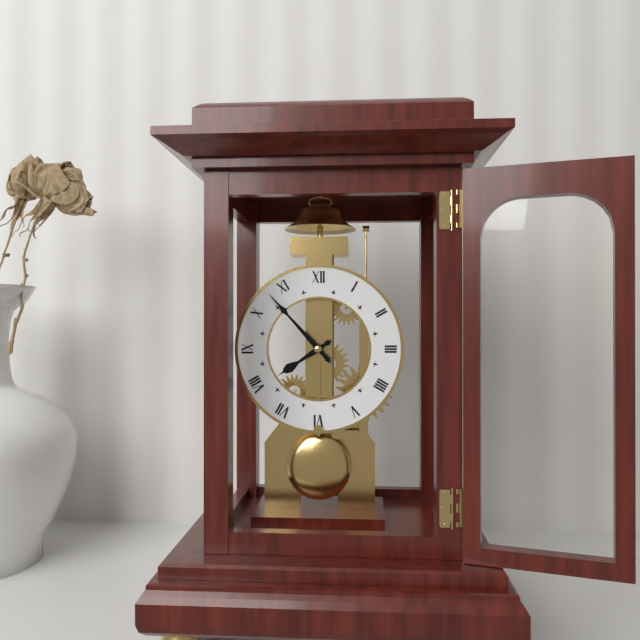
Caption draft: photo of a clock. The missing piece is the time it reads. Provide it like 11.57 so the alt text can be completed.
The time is 7.53
